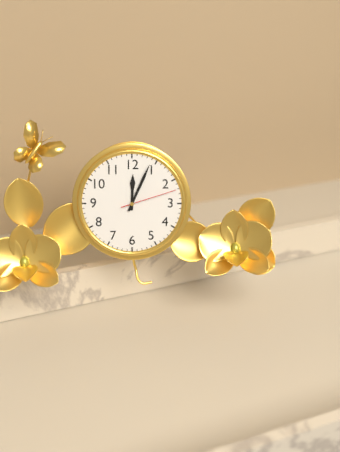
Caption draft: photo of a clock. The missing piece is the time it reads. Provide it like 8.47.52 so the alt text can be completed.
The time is 12.04.12
